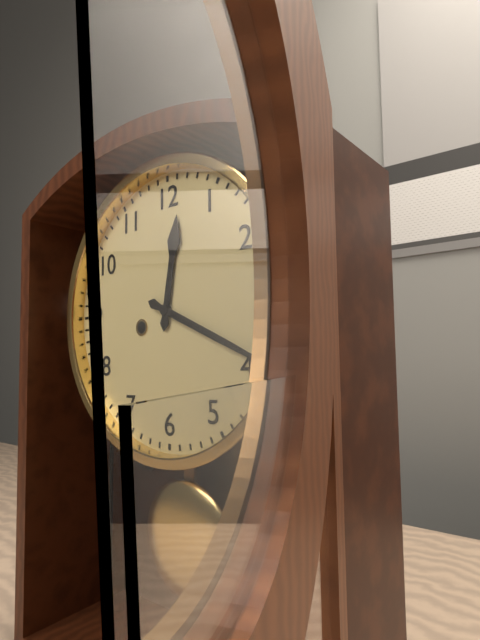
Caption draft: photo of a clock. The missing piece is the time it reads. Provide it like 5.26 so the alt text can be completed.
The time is 12.19
